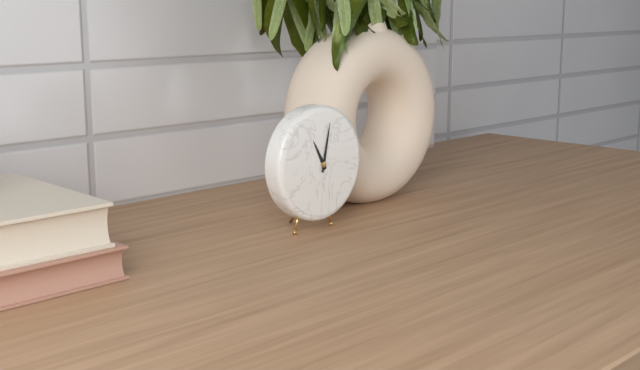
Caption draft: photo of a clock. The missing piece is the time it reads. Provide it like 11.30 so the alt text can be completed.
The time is 11.02
